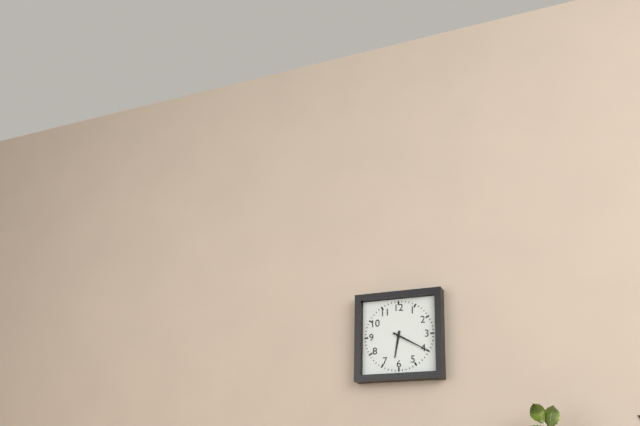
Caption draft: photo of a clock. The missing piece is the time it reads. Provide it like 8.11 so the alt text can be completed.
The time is 6.20
